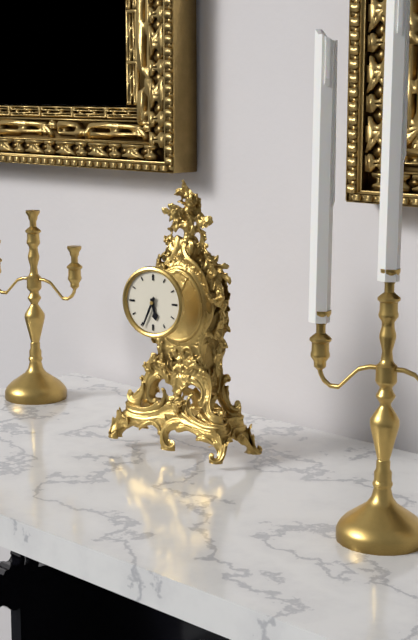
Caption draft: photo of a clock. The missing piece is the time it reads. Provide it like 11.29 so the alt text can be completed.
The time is 5.34
